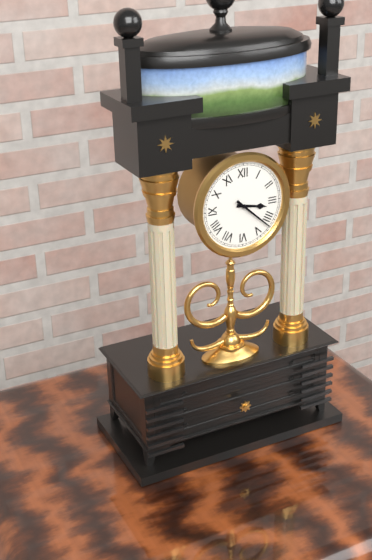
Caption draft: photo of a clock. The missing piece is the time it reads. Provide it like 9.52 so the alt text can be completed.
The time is 3.22
